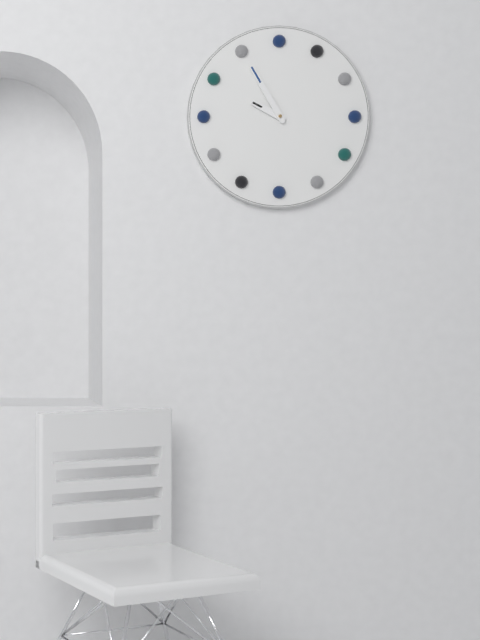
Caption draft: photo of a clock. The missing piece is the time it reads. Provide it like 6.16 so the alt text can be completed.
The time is 9.55
